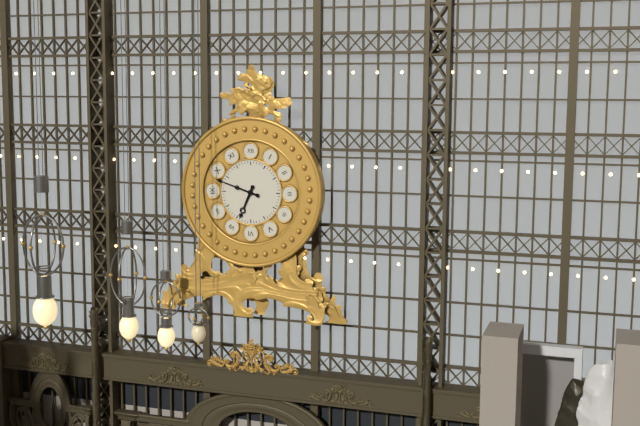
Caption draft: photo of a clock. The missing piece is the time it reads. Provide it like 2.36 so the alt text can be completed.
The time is 6.48
